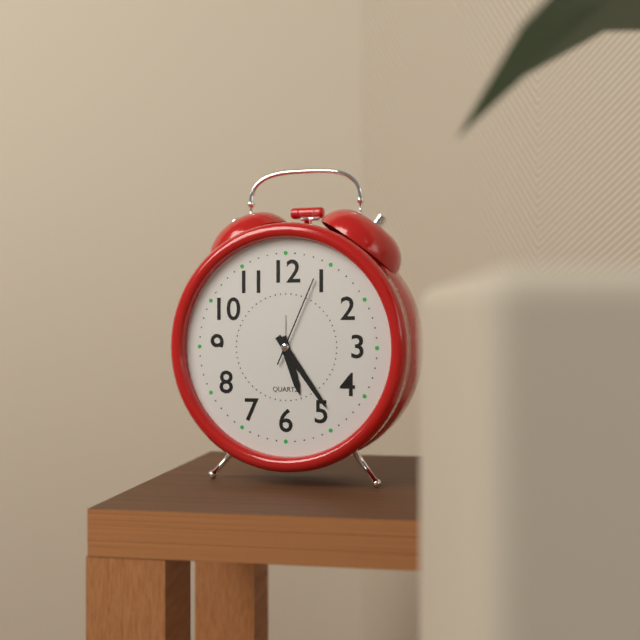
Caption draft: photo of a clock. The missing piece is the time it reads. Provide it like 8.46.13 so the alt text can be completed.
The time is 5.24.04
